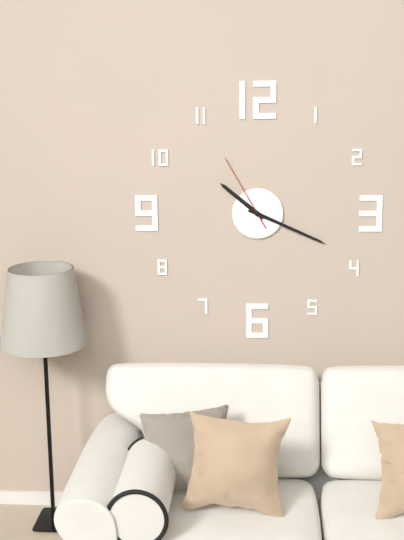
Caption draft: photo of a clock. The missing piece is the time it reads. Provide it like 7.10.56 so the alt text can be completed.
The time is 10.19.55
